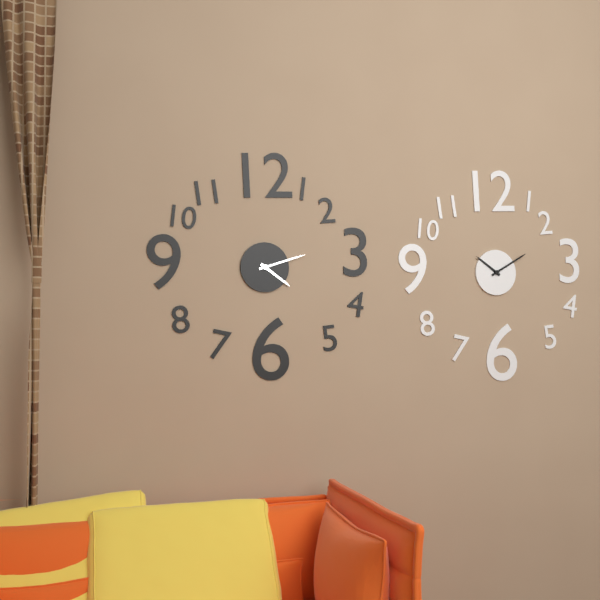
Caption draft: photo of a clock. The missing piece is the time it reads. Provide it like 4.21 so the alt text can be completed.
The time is 4.12
